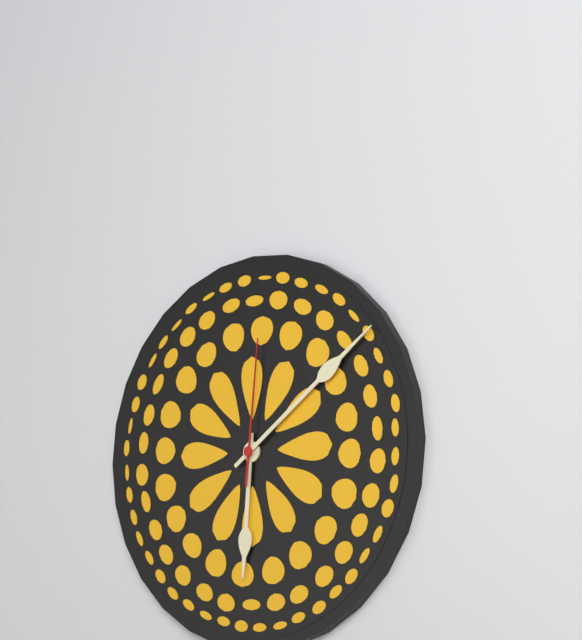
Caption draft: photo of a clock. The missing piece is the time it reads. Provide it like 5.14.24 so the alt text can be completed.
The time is 6.09.01
